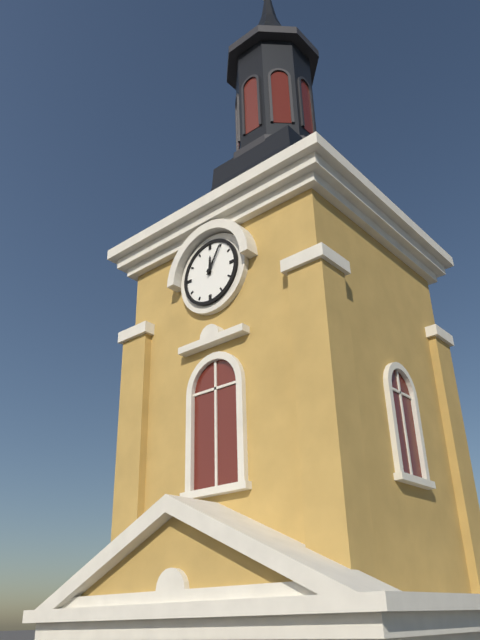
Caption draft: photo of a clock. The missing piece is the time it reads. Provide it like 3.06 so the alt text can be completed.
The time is 12.05
